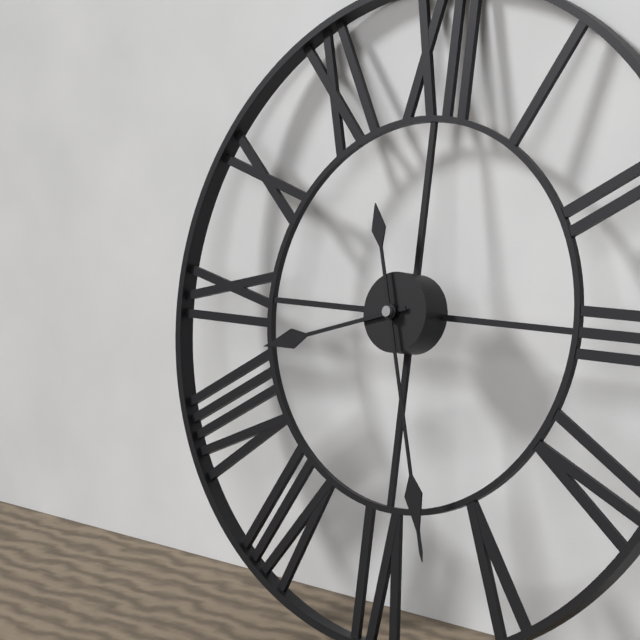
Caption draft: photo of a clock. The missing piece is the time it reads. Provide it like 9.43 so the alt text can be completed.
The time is 8.27
